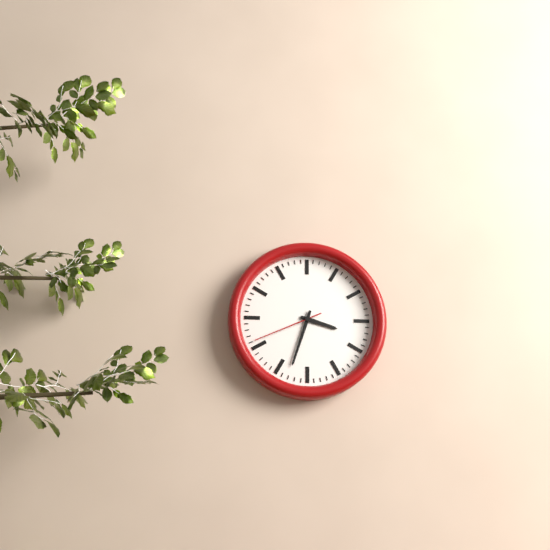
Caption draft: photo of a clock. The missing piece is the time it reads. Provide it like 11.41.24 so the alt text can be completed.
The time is 3.33.41
